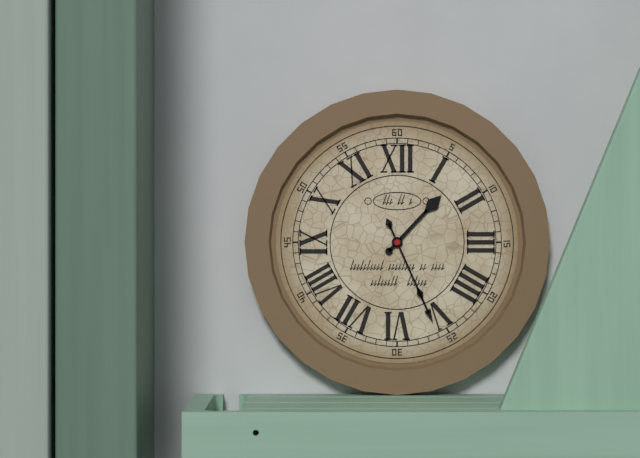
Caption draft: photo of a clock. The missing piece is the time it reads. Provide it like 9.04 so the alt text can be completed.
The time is 1.26
